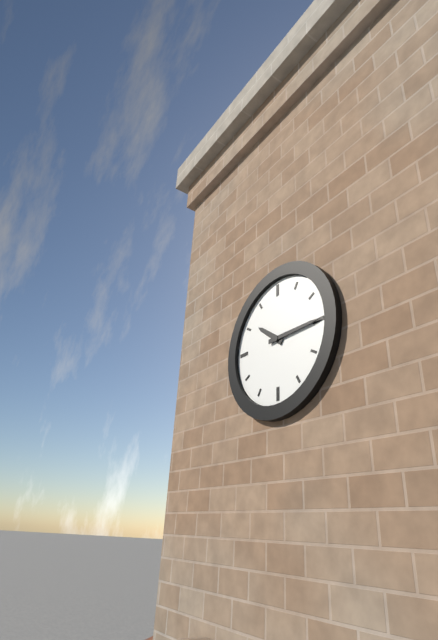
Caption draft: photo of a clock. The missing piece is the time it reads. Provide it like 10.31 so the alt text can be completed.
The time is 10.15
